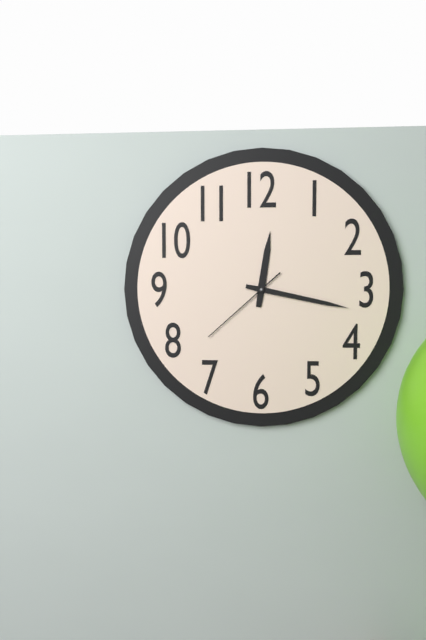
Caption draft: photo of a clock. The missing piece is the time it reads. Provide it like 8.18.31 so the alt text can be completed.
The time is 12.17.38
